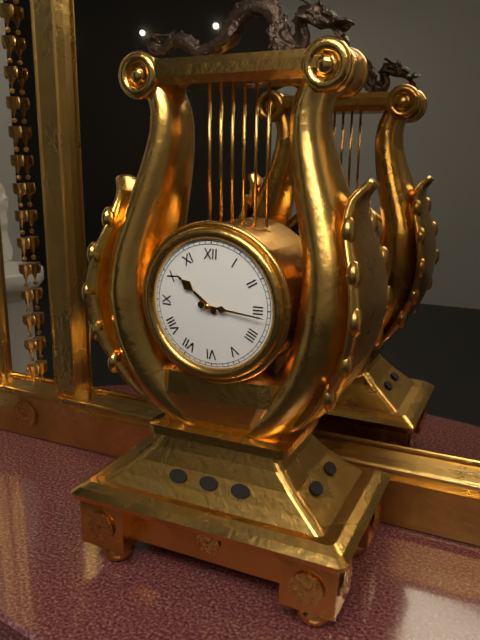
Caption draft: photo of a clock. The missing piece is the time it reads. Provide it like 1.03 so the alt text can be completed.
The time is 10.16
